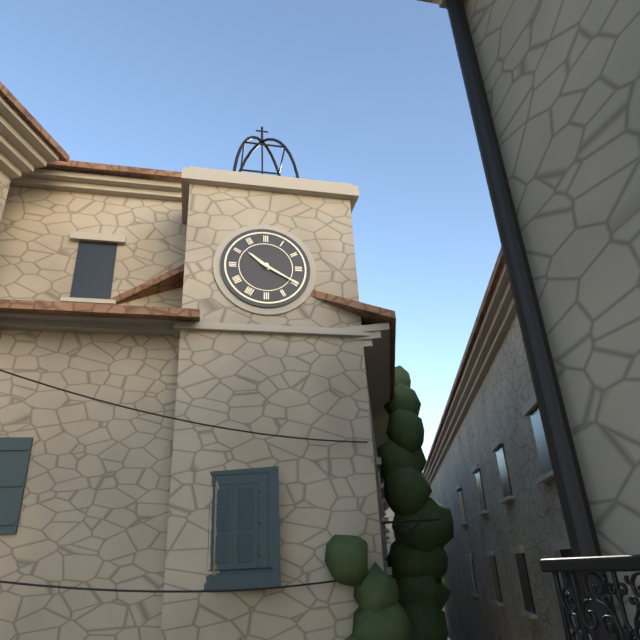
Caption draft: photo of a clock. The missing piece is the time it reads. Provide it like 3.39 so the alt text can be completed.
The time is 10.20
